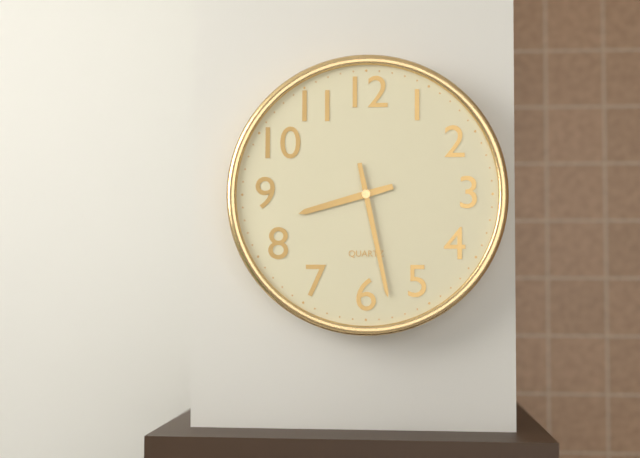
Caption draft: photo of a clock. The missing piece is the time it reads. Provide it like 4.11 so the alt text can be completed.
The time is 8.28
